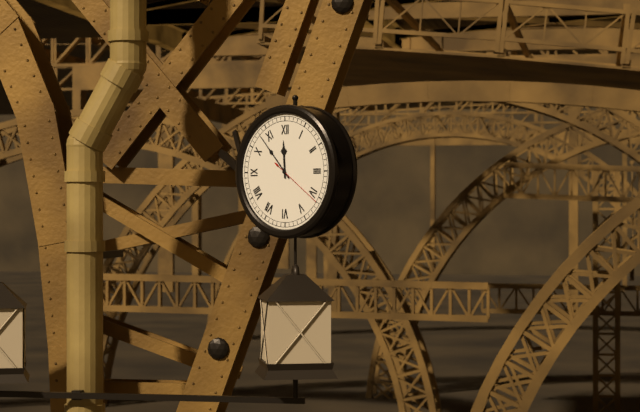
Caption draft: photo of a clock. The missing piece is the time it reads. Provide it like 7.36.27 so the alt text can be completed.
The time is 11.53.21
